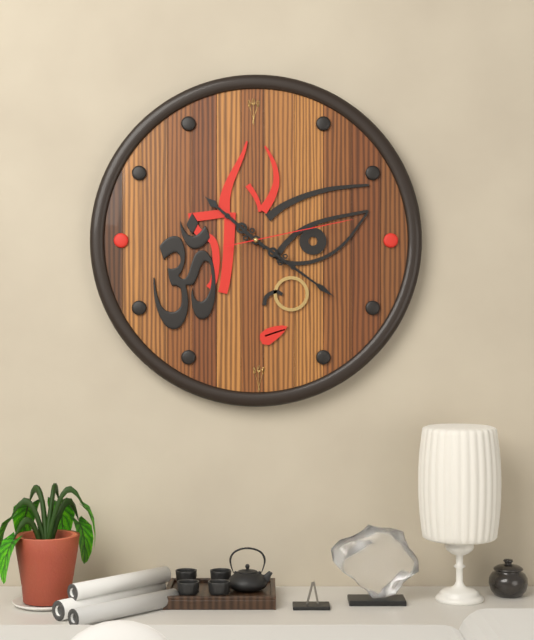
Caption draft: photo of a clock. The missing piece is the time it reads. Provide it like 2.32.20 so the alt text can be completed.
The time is 10.21.13
